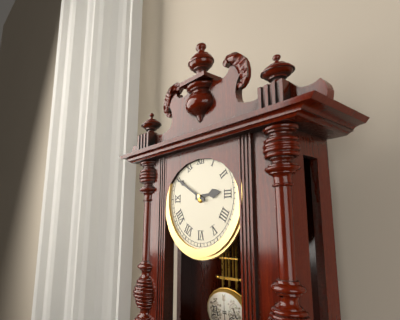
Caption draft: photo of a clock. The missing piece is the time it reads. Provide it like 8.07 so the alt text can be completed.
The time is 2.50
